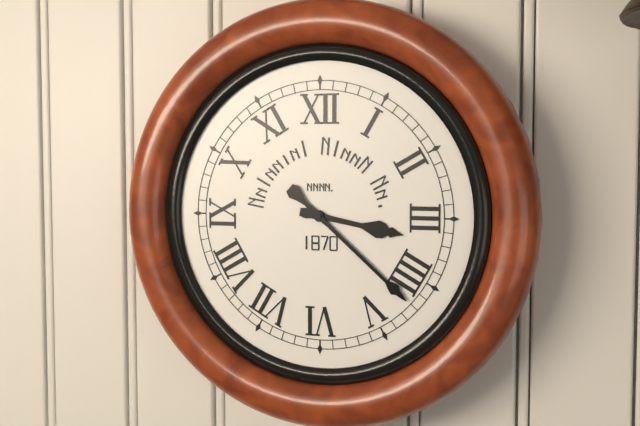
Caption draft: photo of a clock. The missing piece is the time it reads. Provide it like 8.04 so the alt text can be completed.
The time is 3.22
